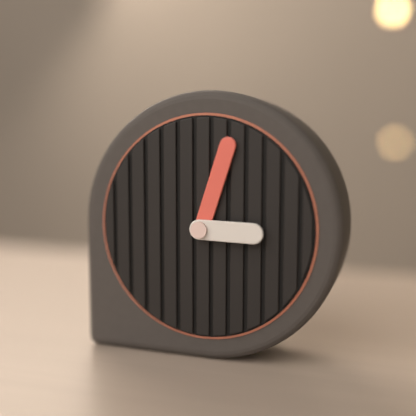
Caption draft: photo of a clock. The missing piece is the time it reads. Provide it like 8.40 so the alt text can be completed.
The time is 3.03
